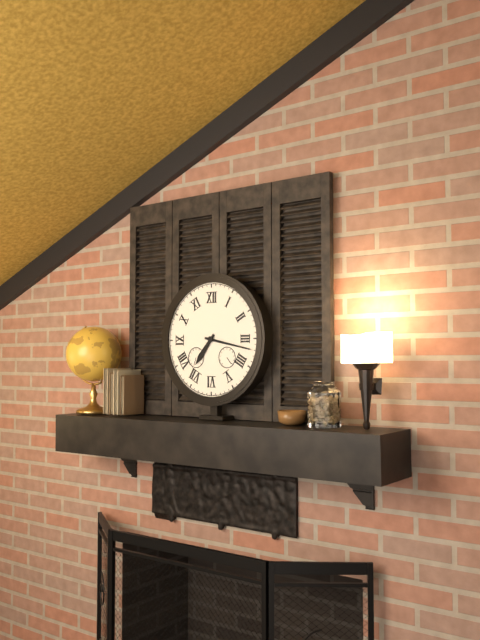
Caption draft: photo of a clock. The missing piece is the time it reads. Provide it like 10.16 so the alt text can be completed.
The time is 7.17
